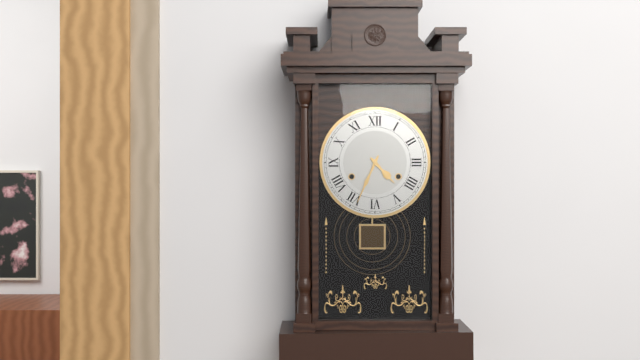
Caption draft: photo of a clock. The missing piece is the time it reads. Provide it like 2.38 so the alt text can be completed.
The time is 4.34
